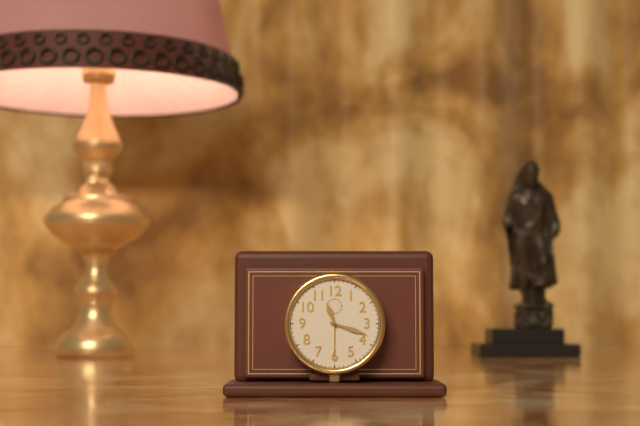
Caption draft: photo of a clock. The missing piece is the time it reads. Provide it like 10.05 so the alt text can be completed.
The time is 11.18
